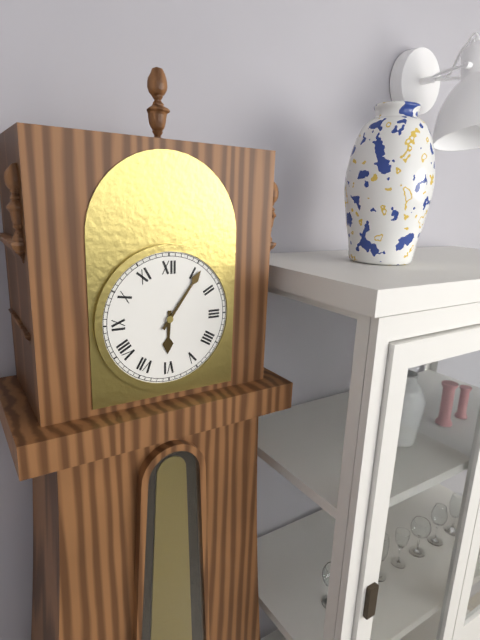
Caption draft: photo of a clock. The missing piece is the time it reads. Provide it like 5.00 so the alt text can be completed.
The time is 6.06
